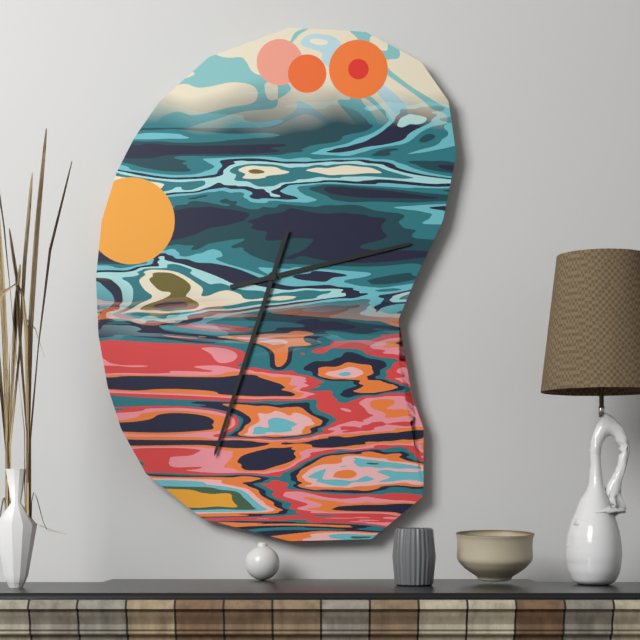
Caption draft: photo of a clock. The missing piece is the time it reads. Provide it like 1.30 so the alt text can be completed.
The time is 2.33
